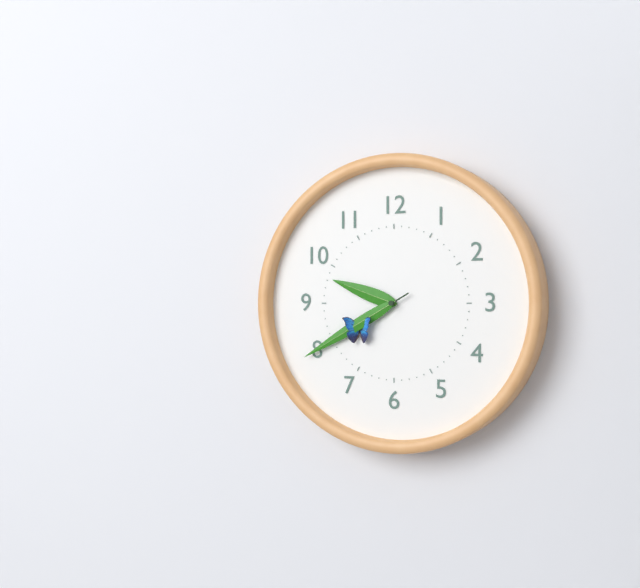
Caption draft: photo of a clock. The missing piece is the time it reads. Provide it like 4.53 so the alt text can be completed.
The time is 9.40
